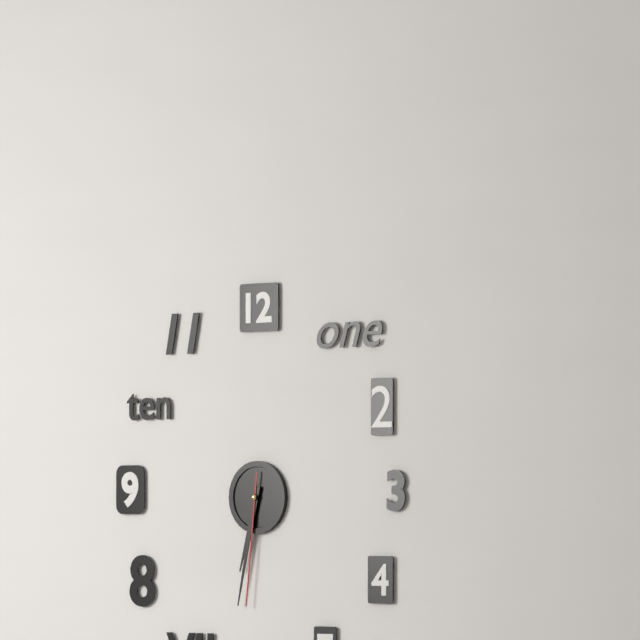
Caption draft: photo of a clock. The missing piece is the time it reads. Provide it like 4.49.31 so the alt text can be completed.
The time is 6.32.31
